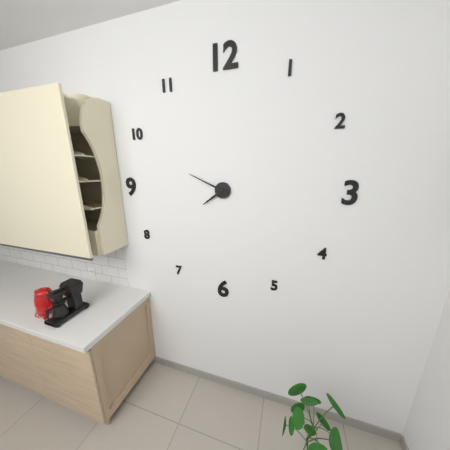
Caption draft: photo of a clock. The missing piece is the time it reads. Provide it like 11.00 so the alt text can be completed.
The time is 7.49
